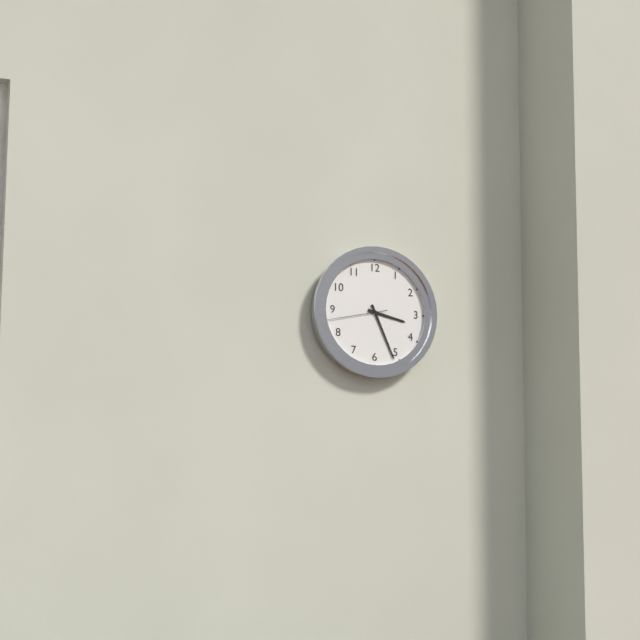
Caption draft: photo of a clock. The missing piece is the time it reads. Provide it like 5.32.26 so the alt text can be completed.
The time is 3.26.43
